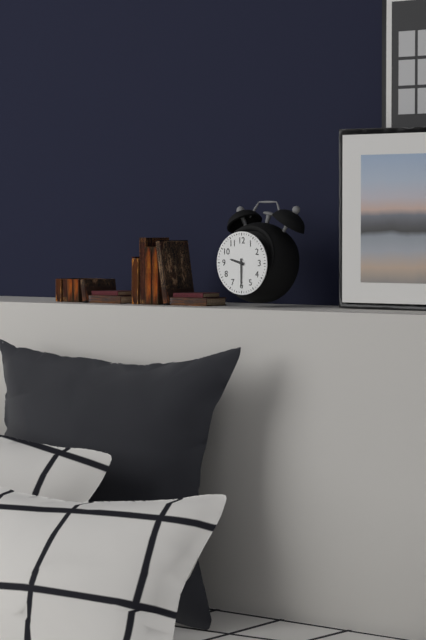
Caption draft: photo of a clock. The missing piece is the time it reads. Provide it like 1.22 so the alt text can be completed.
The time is 9.30
